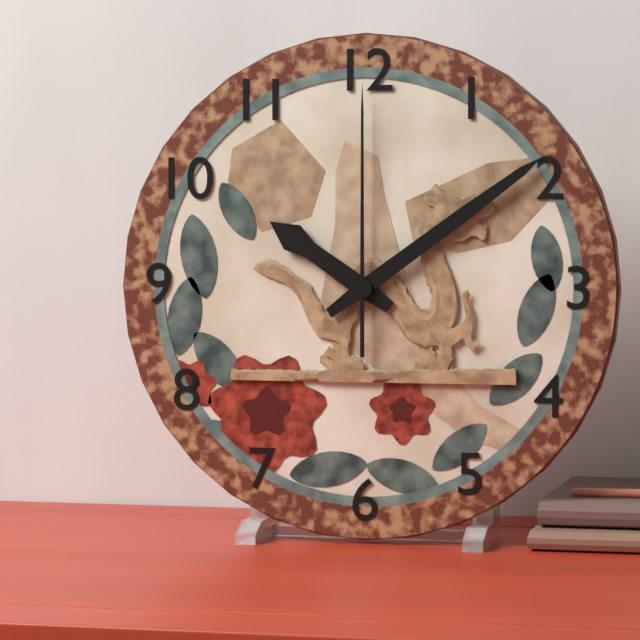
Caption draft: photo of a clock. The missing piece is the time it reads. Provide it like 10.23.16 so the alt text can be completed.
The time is 10.09.00
